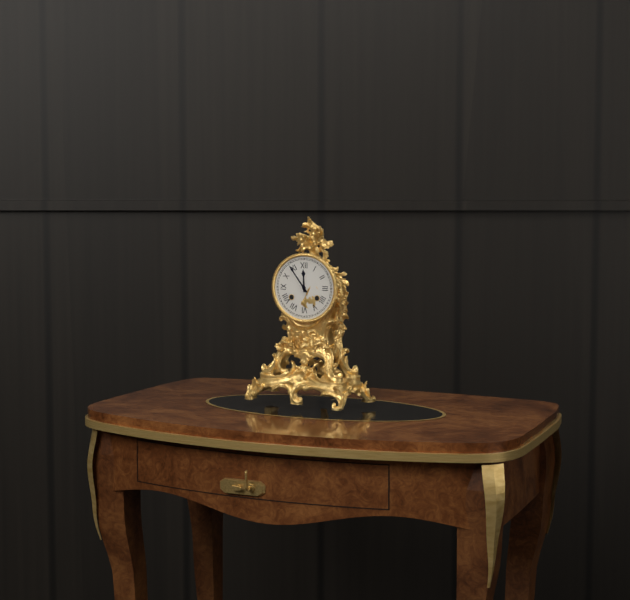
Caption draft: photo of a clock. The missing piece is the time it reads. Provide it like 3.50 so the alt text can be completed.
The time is 11.54
